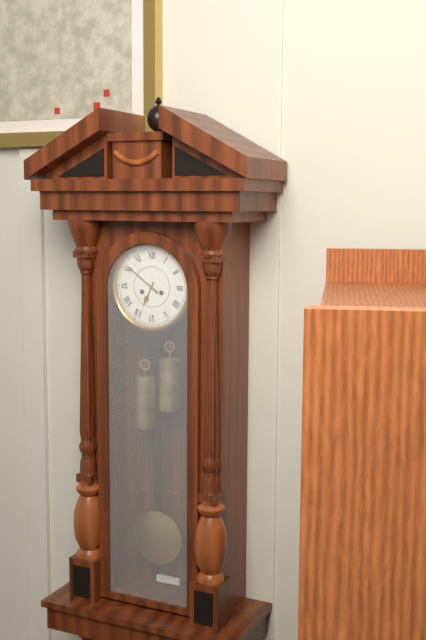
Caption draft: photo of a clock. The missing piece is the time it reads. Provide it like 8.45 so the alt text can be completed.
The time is 6.51
